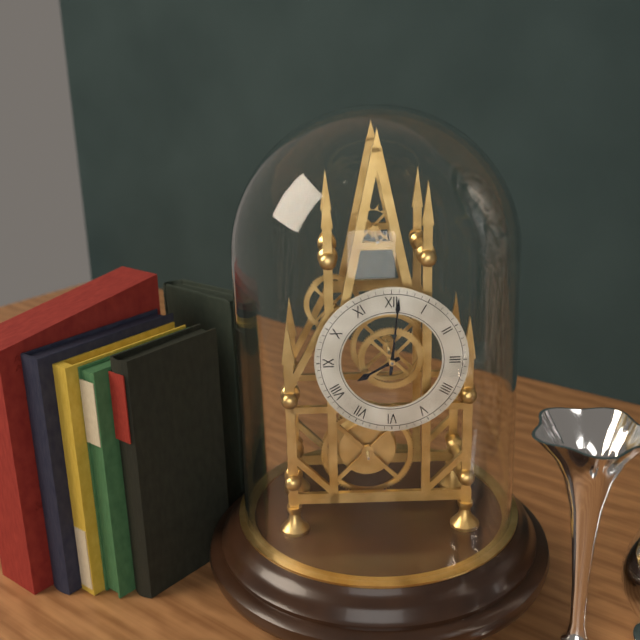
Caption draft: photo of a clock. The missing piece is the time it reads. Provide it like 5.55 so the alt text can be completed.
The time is 8.01
